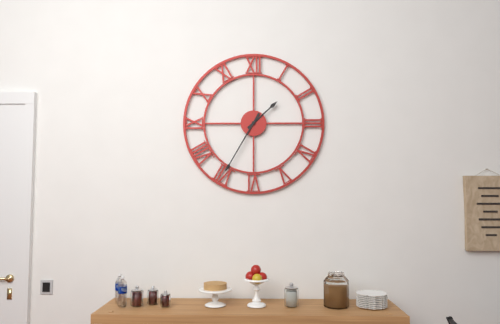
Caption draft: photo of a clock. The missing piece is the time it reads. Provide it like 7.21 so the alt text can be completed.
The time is 1.35
